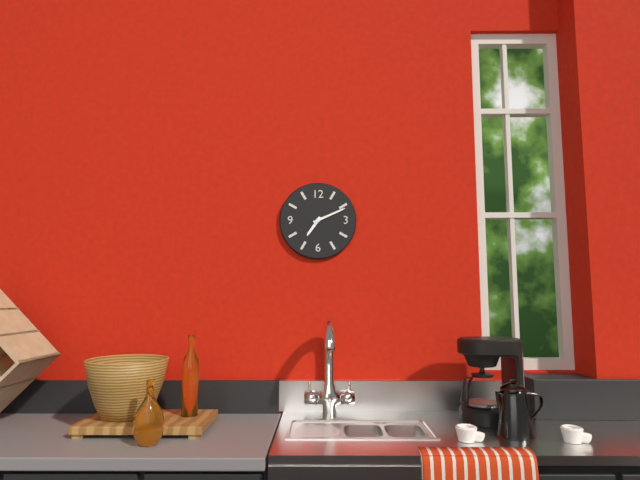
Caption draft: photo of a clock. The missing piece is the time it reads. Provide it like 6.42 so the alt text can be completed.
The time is 7.11
